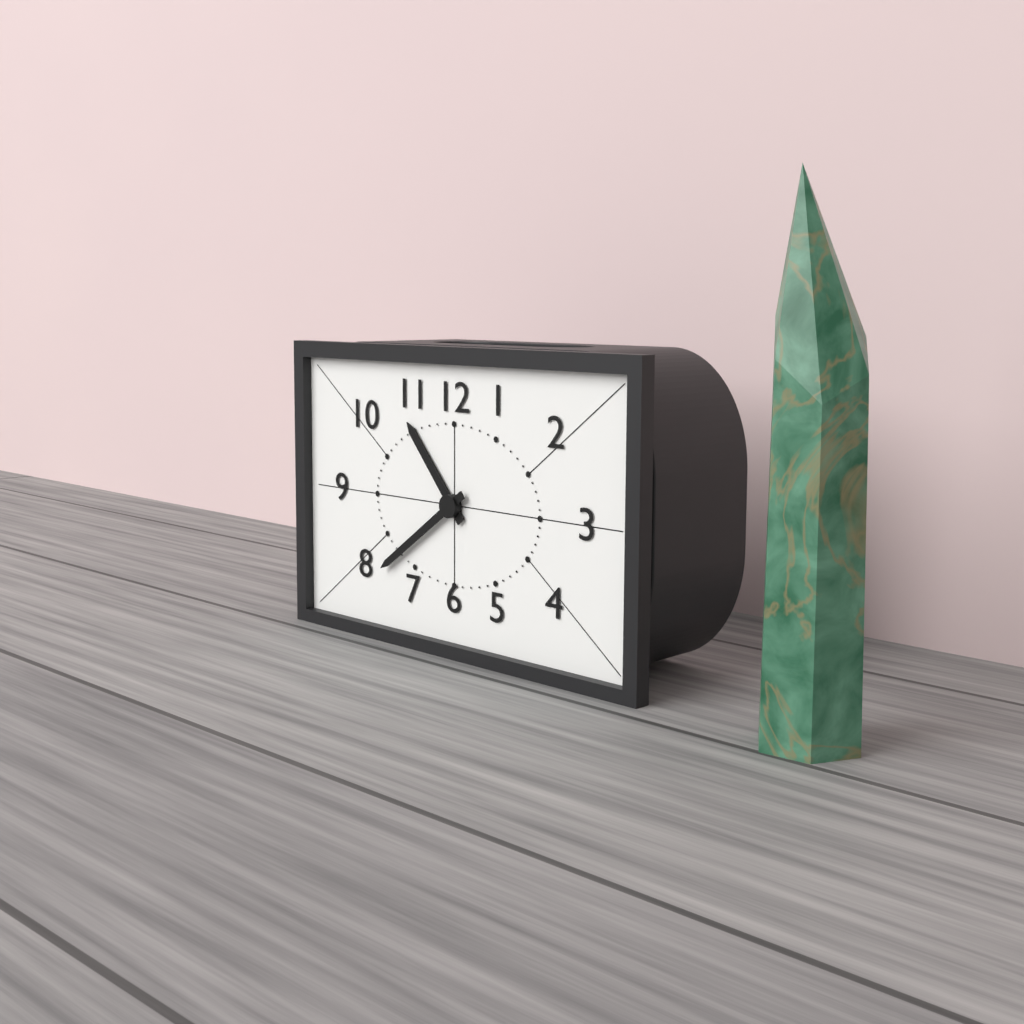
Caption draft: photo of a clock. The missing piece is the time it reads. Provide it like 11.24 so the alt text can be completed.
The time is 10.39
